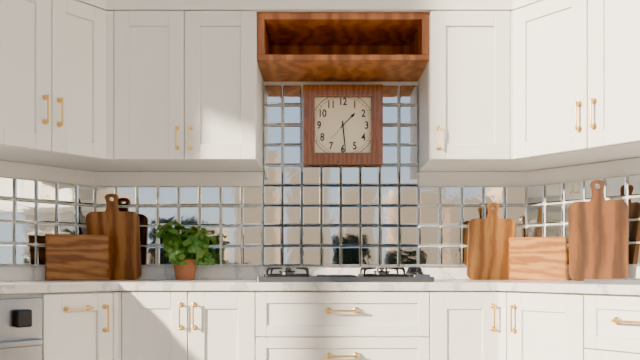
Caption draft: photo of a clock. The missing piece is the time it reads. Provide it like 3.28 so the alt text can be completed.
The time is 1.29
